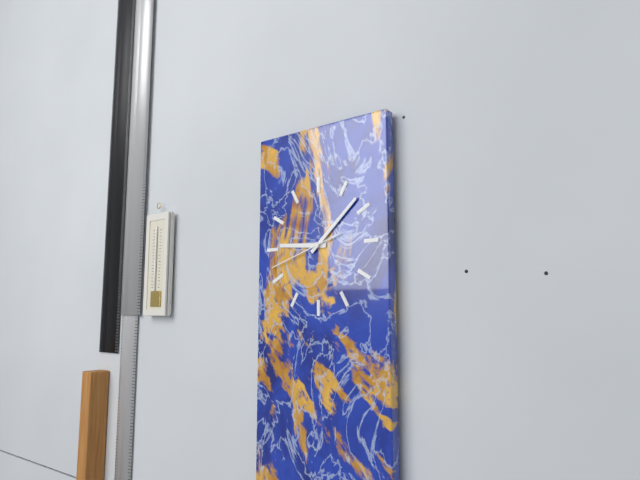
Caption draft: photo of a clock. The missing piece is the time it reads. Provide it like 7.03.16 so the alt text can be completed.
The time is 9.08.42
